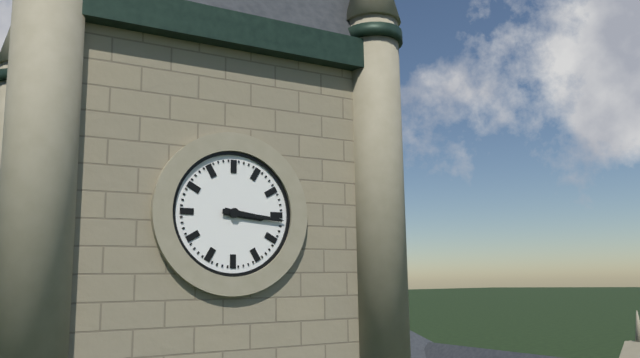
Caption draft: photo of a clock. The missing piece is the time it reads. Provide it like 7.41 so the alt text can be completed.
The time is 3.16
